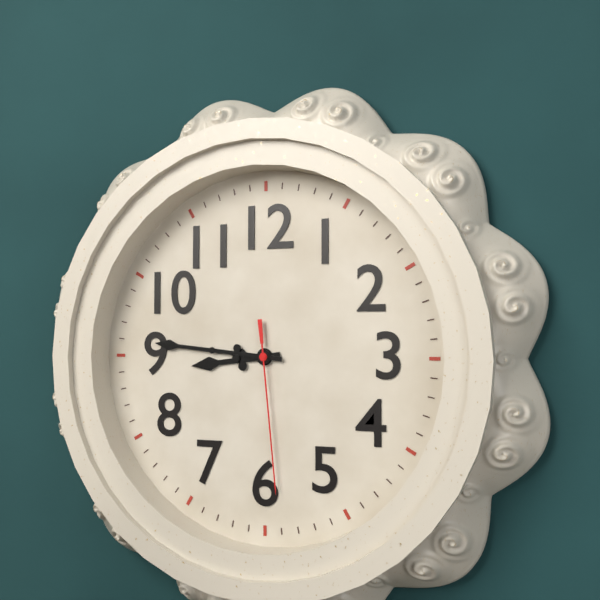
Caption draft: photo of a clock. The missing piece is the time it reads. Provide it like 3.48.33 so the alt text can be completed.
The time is 8.46.29
